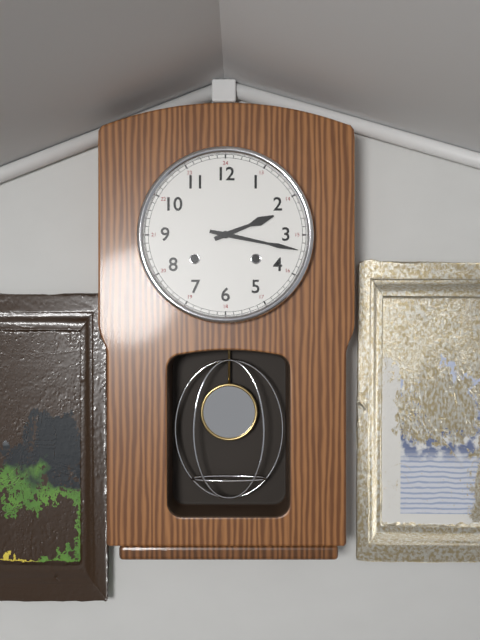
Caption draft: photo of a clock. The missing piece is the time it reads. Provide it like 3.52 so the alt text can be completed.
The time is 2.17
